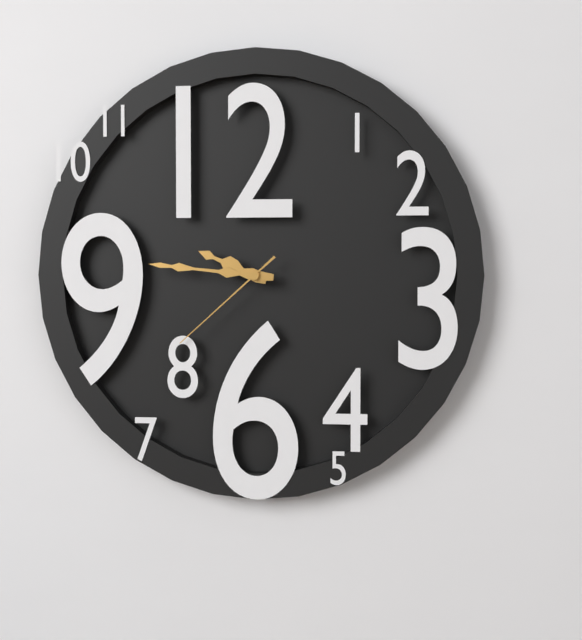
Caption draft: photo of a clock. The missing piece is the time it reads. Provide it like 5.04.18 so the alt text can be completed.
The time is 9.46.38
